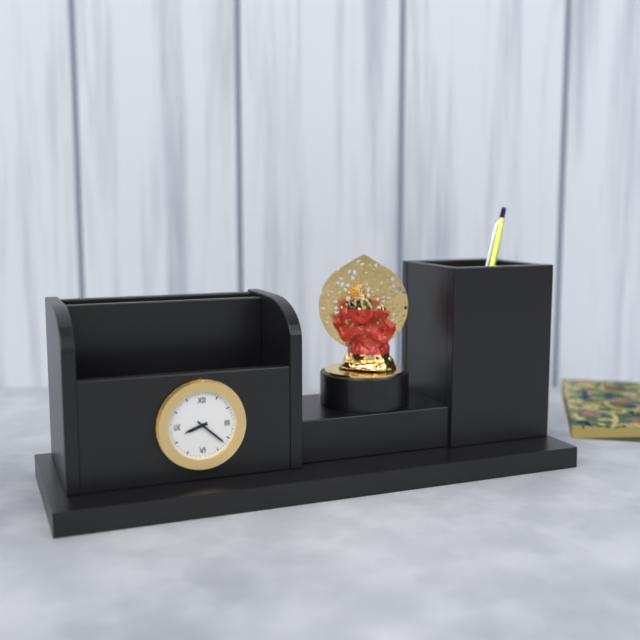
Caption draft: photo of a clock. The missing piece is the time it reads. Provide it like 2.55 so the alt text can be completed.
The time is 8.22
